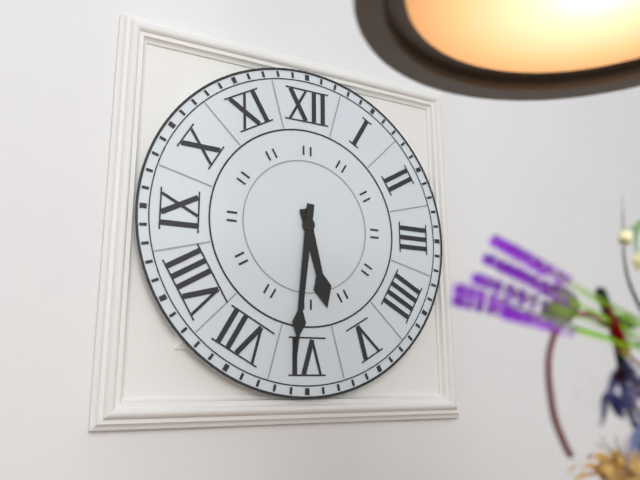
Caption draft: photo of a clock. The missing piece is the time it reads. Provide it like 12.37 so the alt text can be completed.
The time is 5.31
